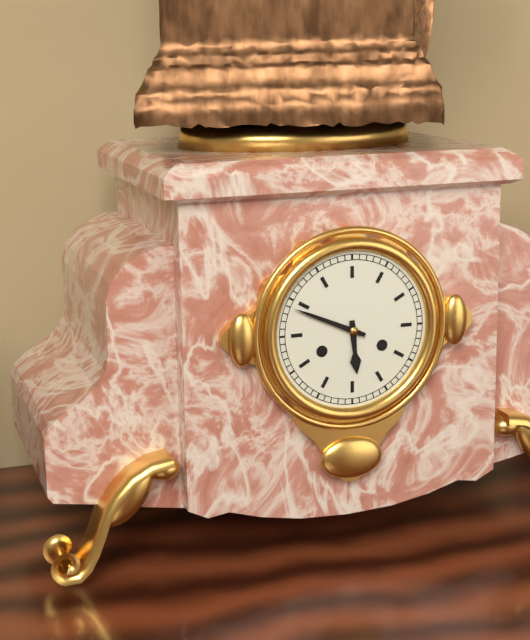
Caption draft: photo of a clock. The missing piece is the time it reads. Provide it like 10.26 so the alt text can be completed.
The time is 5.49
